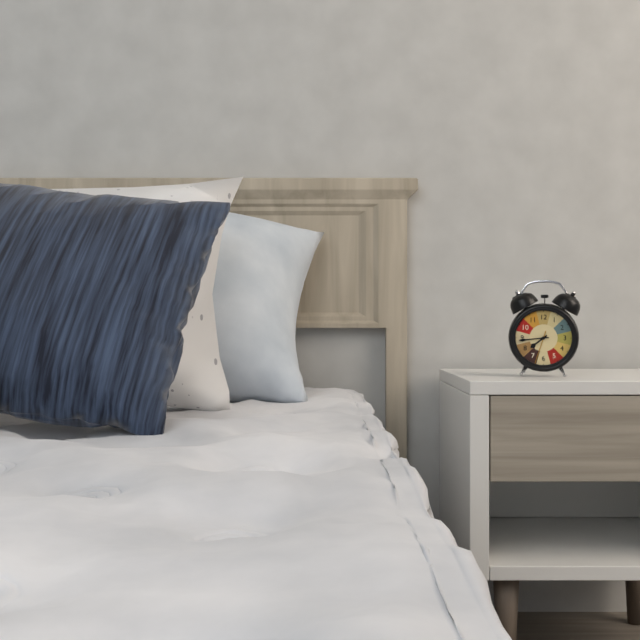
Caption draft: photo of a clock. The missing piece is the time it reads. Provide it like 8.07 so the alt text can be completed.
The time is 7.44
